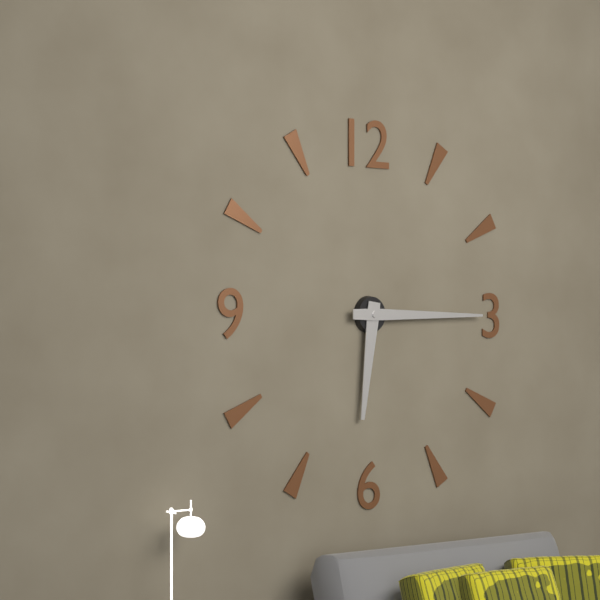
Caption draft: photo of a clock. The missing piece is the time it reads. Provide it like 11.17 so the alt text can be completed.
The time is 6.15
